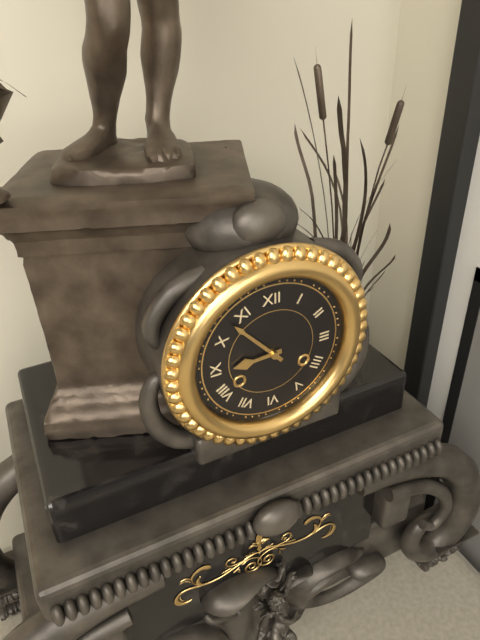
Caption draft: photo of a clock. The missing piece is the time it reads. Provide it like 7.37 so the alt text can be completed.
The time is 8.53
